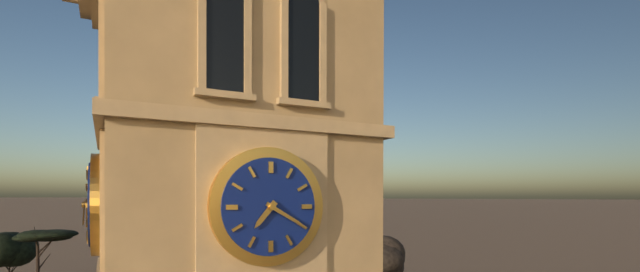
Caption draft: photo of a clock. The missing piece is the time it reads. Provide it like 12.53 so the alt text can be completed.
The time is 7.20
